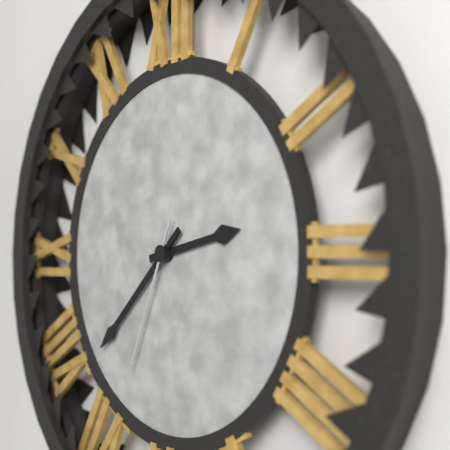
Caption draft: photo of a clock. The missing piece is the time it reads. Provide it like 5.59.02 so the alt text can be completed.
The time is 2.38.34
